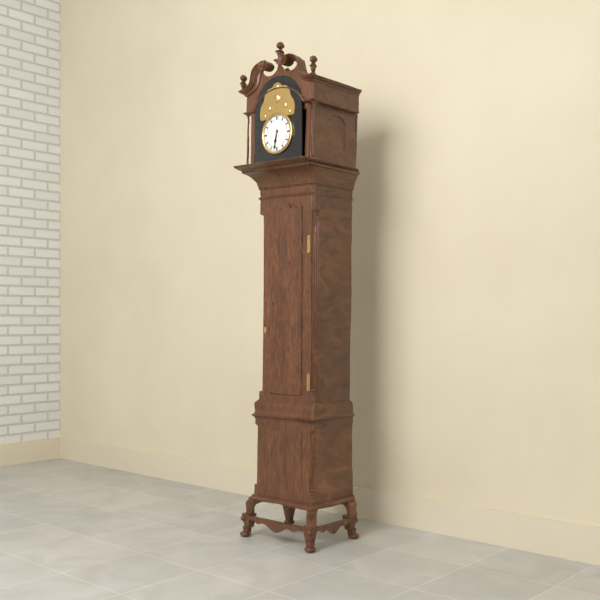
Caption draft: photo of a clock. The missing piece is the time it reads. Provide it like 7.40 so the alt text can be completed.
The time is 6.32
